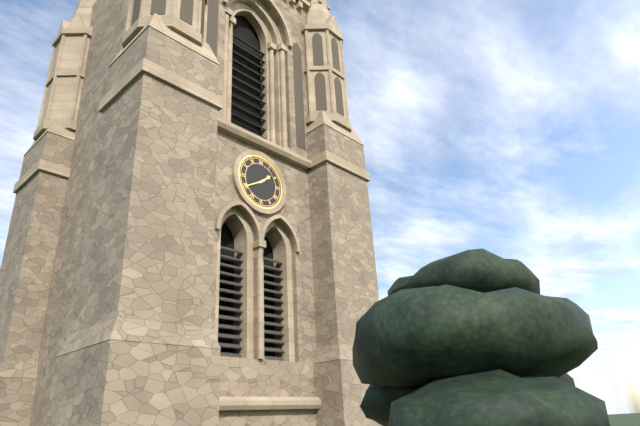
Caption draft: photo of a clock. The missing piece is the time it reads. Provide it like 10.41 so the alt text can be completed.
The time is 1.40
